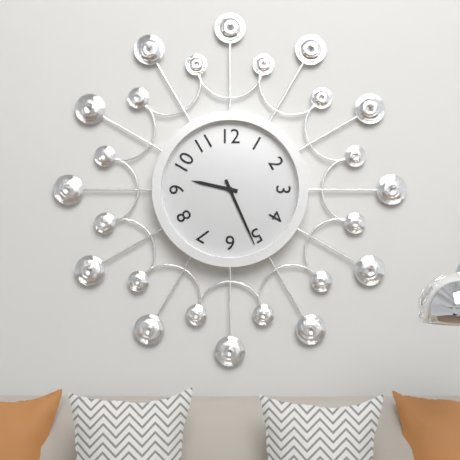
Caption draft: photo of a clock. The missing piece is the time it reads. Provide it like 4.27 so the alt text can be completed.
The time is 9.26
